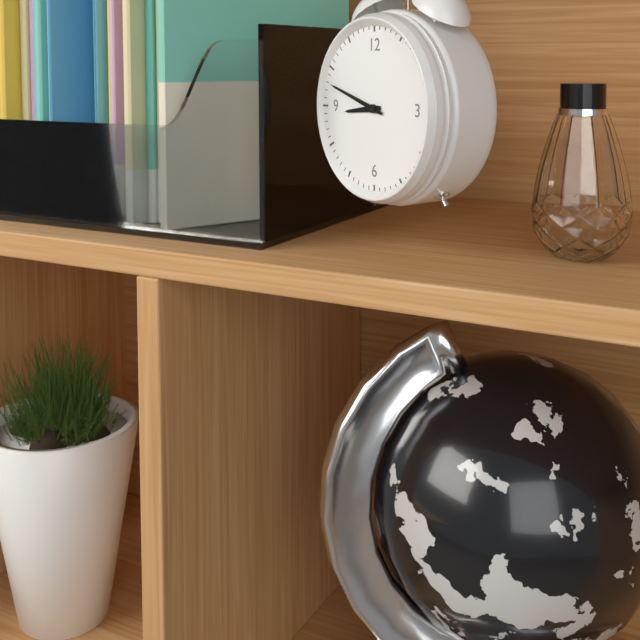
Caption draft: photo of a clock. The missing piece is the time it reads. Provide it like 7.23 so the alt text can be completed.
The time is 8.48
